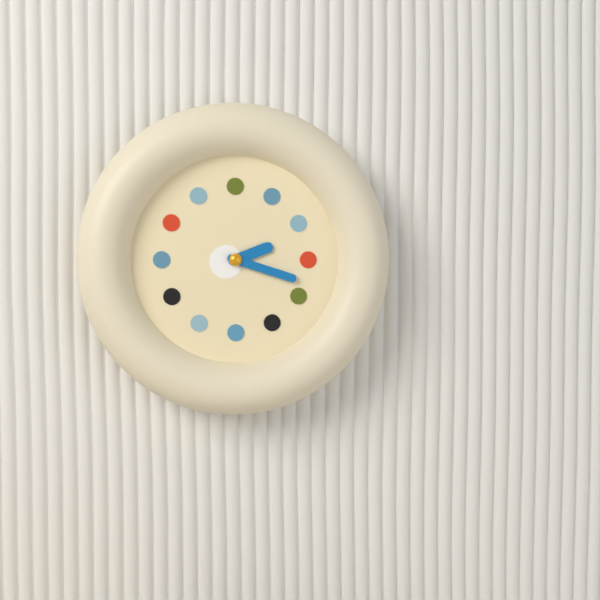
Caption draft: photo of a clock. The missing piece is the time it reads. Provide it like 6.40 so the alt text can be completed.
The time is 2.18
